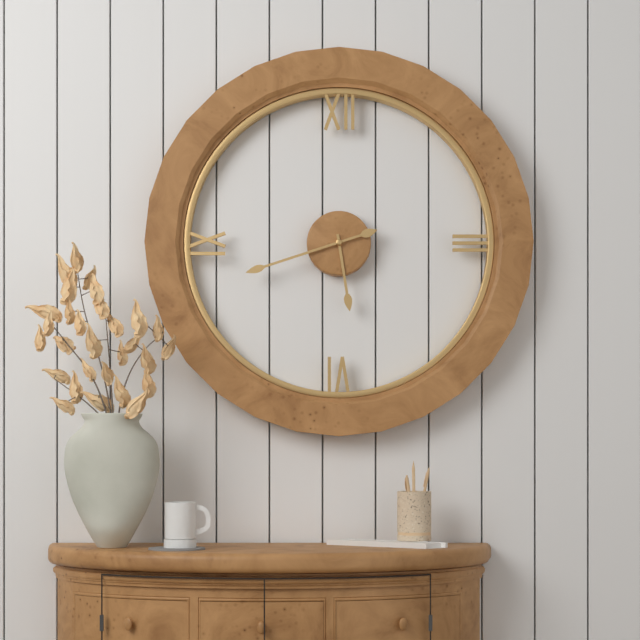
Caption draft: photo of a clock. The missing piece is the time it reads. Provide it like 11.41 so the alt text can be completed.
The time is 5.42
